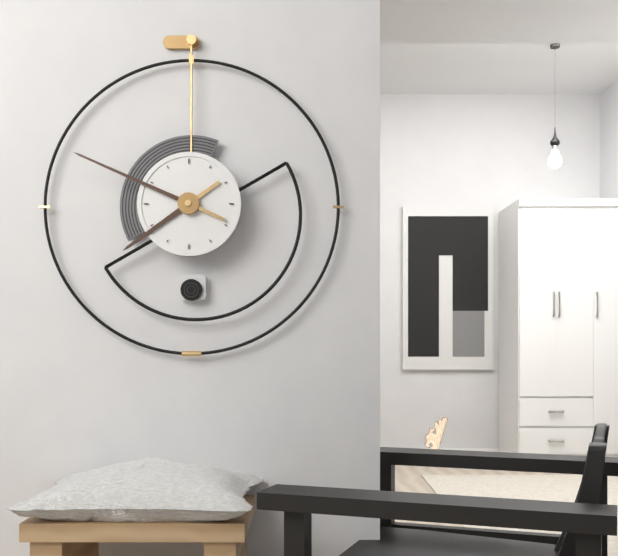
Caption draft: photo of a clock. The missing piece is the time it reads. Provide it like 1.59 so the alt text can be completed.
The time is 7.49
